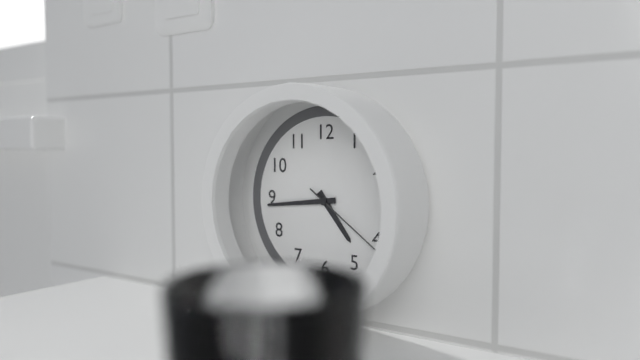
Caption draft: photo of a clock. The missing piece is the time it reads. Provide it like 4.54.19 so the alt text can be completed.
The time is 4.44.21
